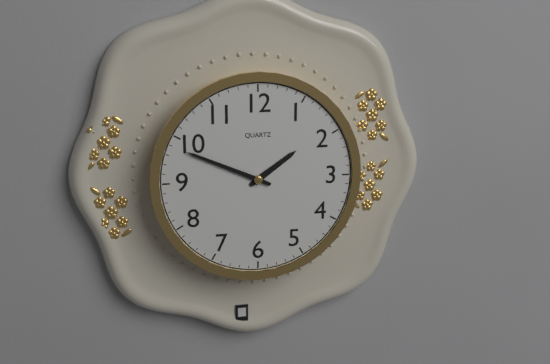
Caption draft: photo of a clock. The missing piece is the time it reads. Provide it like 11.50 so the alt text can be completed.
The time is 1.49
